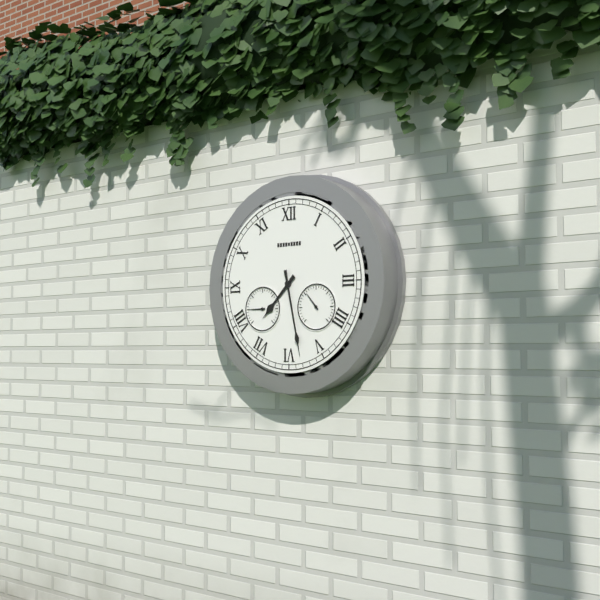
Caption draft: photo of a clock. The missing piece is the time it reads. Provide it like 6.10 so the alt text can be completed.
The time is 7.28
